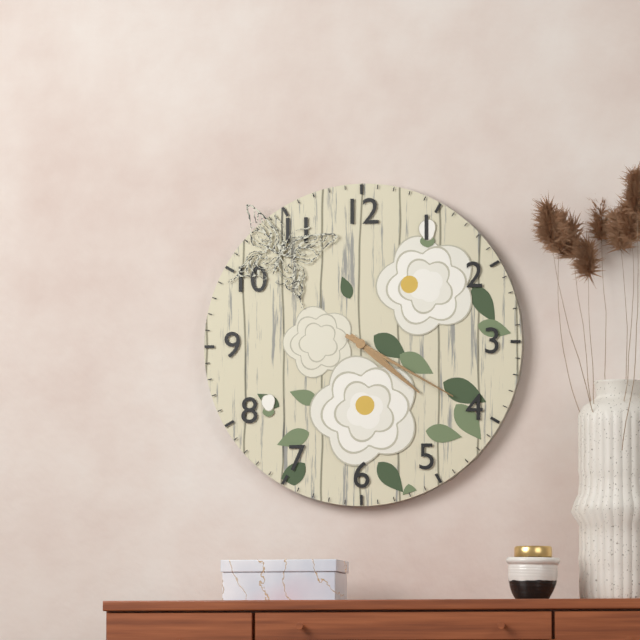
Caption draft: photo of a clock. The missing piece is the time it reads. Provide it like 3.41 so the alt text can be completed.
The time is 4.20
